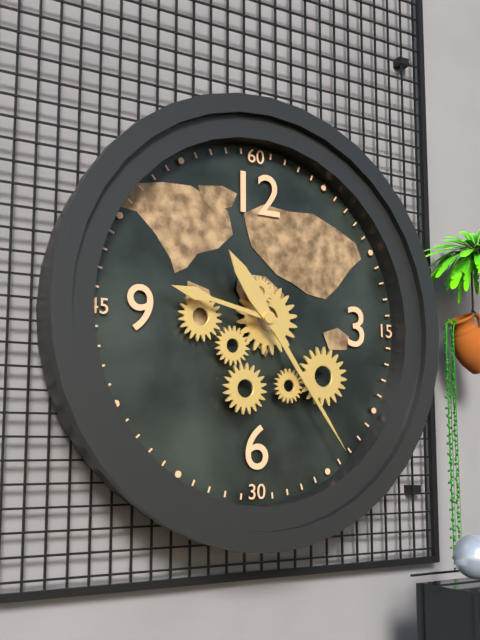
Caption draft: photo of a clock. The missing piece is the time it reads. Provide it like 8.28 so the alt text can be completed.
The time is 9.24
